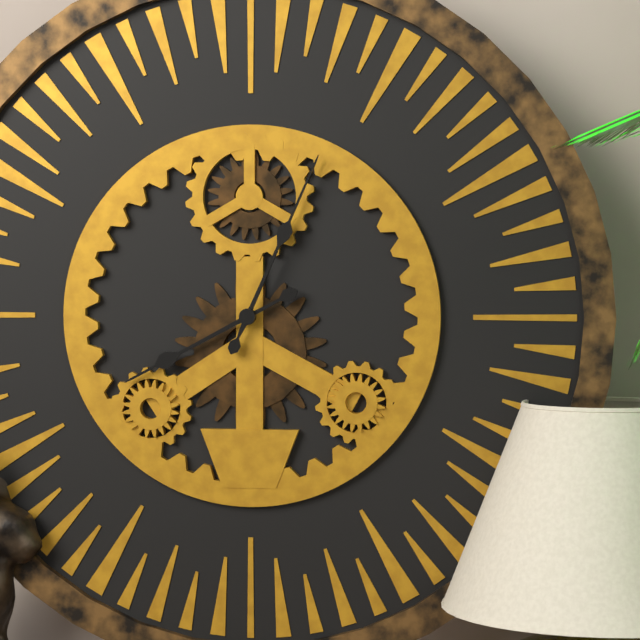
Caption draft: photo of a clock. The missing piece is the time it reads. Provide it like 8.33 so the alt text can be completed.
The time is 8.04
